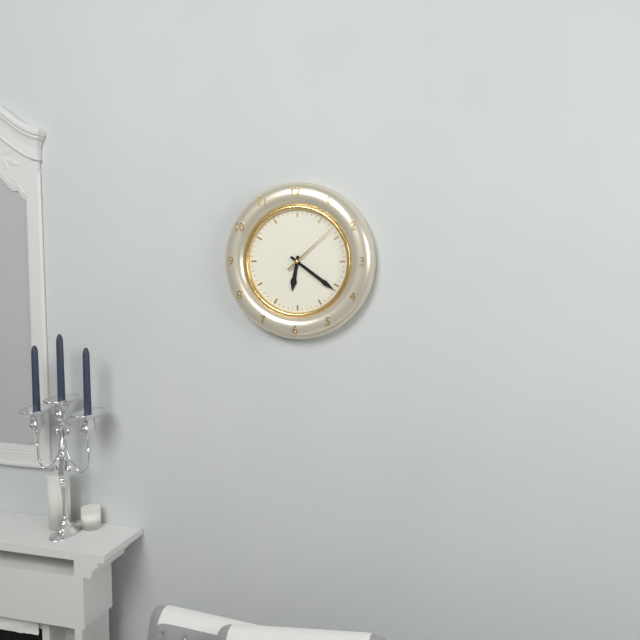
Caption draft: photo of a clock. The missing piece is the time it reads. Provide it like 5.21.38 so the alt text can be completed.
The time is 6.21.08
